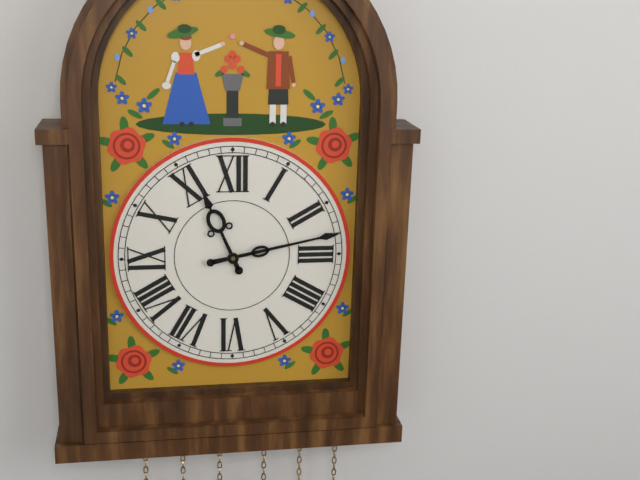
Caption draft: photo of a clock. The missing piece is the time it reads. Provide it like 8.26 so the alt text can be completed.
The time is 11.13
